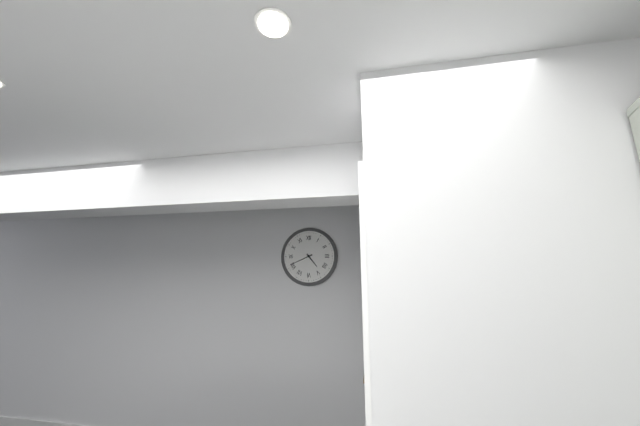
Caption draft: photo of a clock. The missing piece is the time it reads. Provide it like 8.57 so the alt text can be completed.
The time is 4.41
